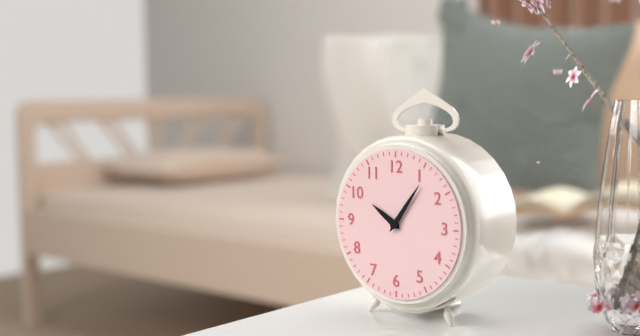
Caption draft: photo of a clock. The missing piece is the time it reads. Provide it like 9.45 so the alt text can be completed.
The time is 10.06
